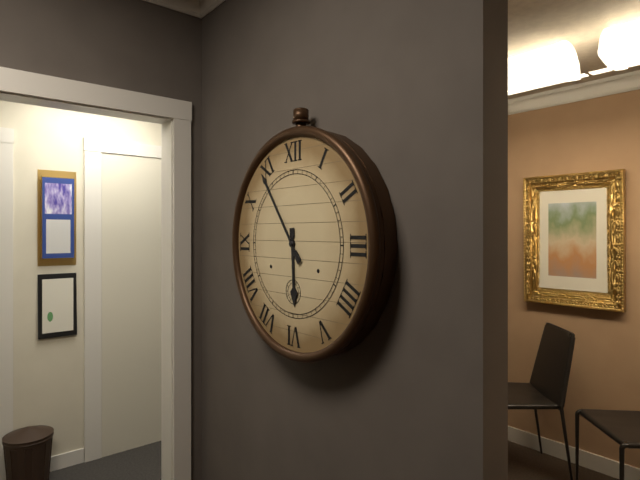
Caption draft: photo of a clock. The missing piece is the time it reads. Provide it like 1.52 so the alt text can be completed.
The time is 5.54
